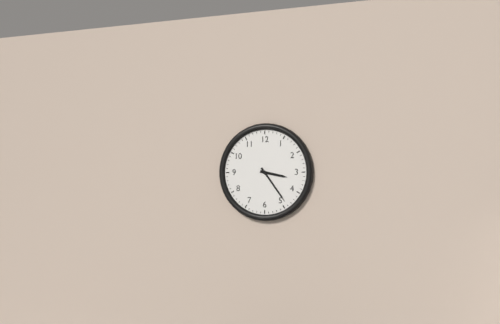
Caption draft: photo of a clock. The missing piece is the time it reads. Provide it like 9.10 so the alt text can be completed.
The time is 3.24
